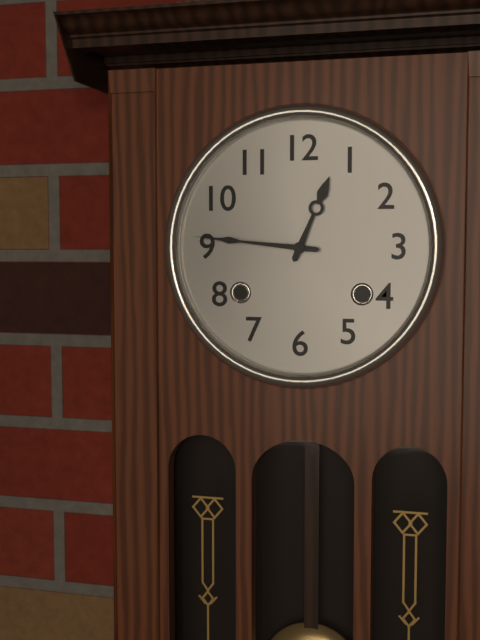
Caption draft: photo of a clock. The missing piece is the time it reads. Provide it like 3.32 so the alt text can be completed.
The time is 12.46
